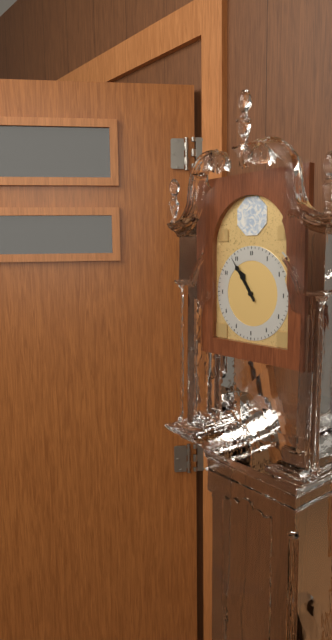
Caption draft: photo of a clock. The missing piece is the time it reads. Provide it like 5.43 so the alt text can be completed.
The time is 10.54
